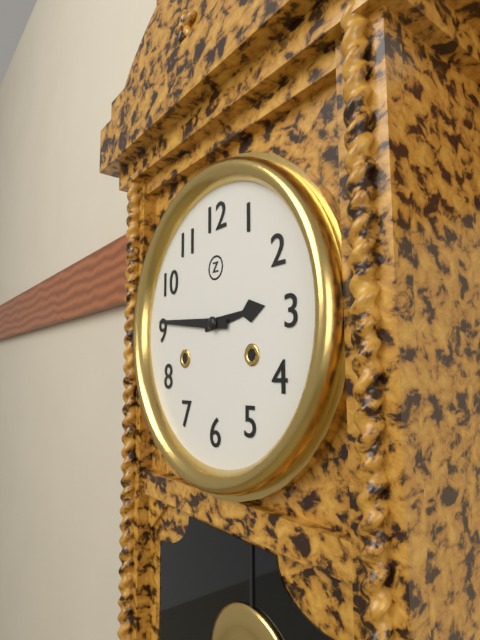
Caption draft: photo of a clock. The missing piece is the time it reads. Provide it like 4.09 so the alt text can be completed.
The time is 2.46
